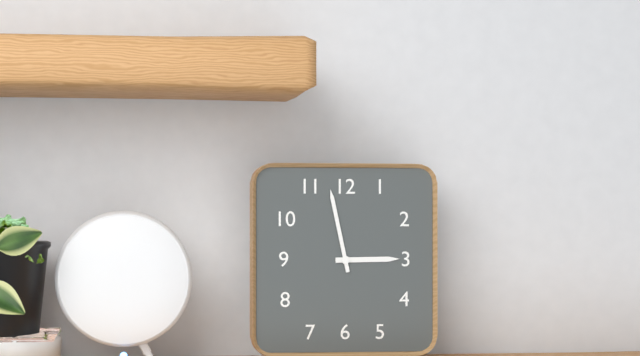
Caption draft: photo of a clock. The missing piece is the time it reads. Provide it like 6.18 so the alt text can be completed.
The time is 2.58
